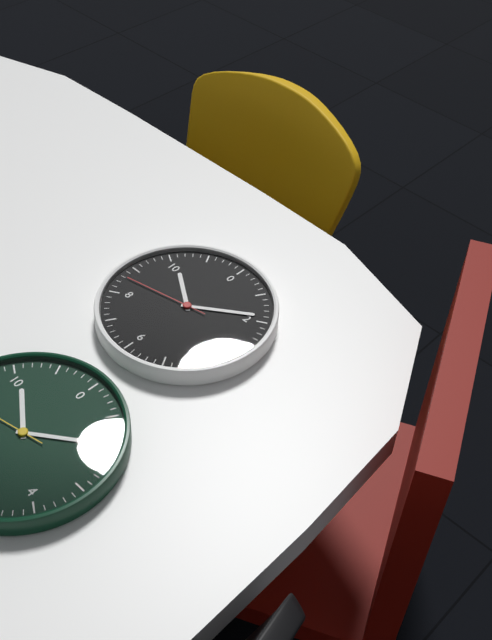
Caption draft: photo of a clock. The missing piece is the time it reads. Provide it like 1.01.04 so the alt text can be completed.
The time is 10.09.43
